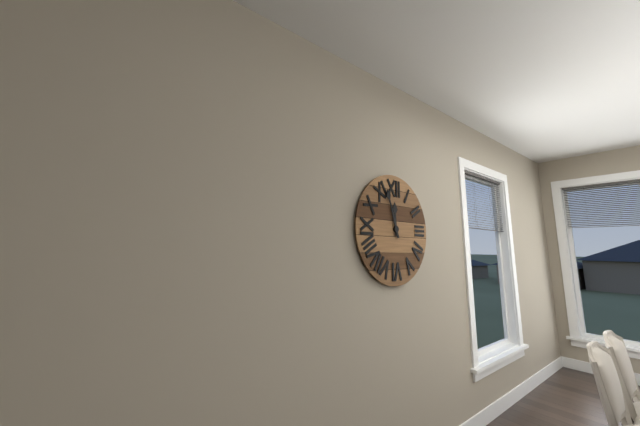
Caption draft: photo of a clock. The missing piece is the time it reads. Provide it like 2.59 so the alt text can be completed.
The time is 11.57
